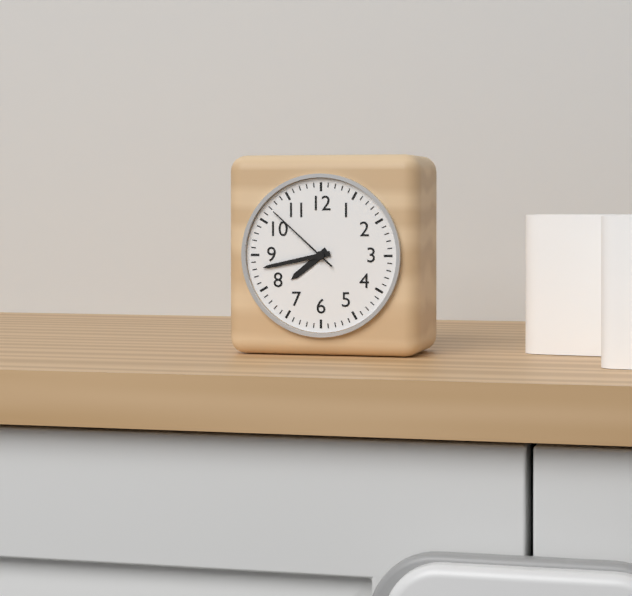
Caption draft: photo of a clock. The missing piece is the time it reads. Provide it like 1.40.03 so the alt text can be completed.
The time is 7.43.52
